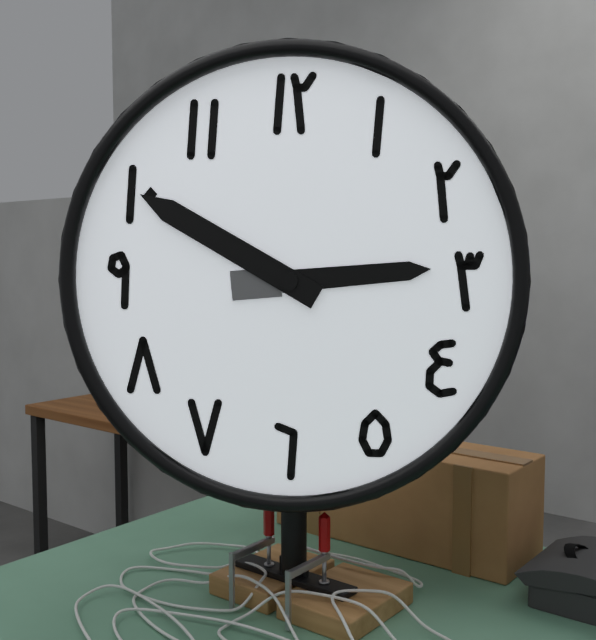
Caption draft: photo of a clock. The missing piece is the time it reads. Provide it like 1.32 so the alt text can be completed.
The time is 2.50
